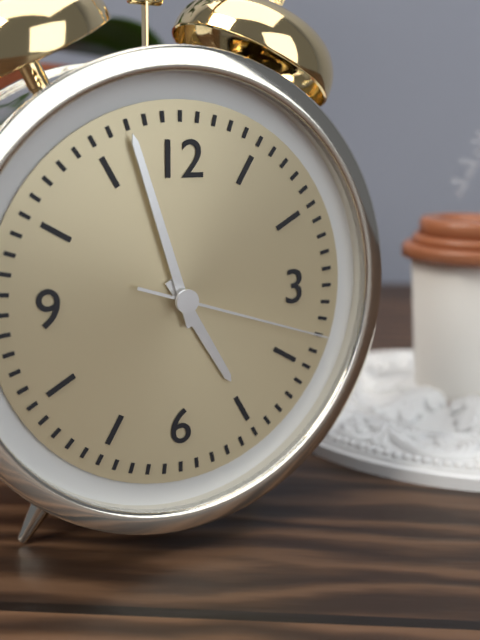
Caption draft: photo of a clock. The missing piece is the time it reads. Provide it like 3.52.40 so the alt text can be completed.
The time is 4.57.18
